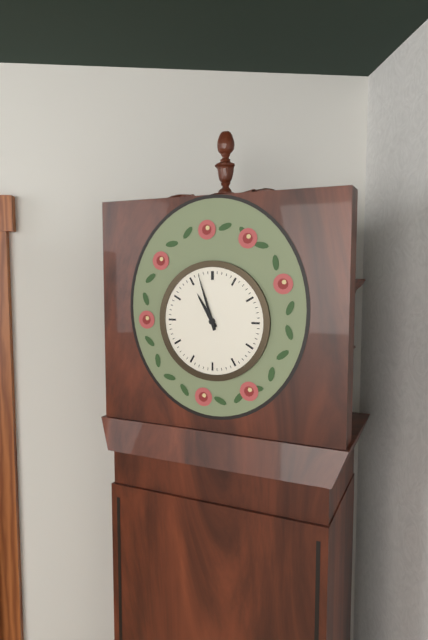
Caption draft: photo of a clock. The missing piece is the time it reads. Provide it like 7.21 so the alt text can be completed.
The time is 10.57
